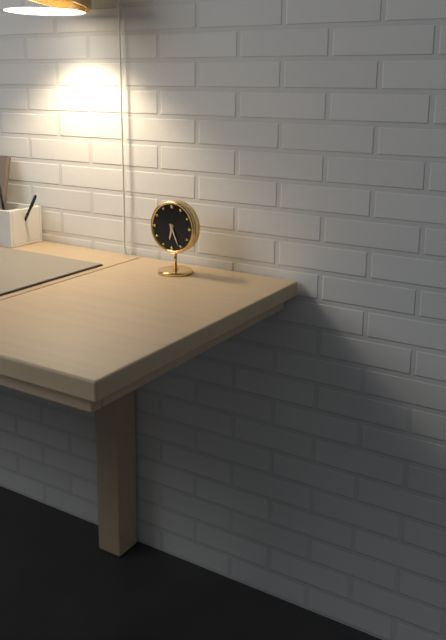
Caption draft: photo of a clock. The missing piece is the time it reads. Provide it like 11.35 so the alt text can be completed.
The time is 6.26
